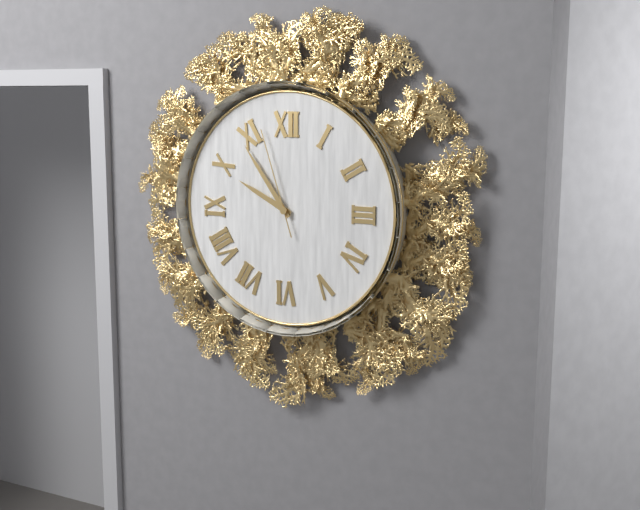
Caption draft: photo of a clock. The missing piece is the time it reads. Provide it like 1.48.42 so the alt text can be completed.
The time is 9.54.57
